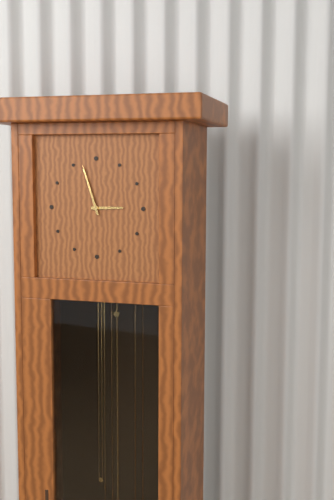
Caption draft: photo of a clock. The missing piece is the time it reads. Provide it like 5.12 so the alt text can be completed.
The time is 2.57
